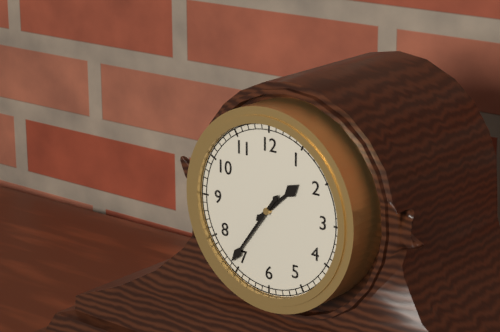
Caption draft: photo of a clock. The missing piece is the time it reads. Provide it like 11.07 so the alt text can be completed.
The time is 1.36
